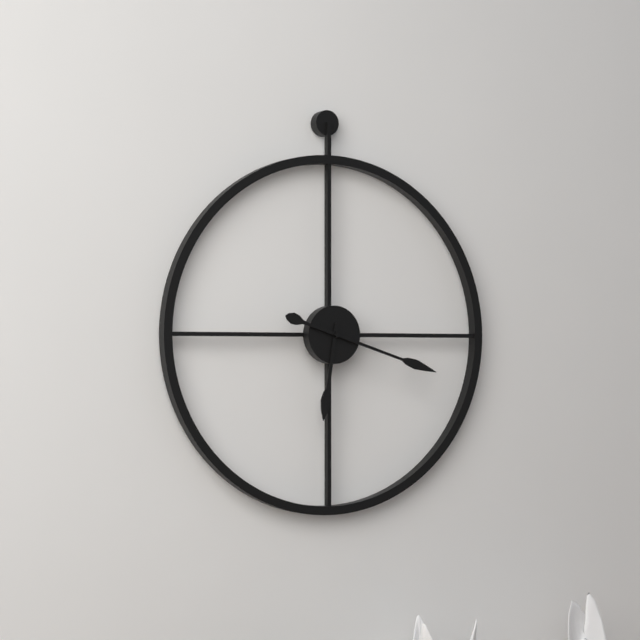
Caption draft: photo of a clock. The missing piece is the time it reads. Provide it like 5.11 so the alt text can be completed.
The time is 6.18
